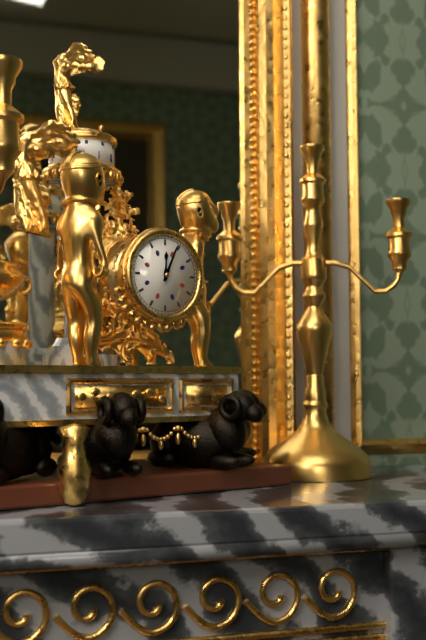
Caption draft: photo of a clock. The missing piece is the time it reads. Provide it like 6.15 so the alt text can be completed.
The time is 12.04
